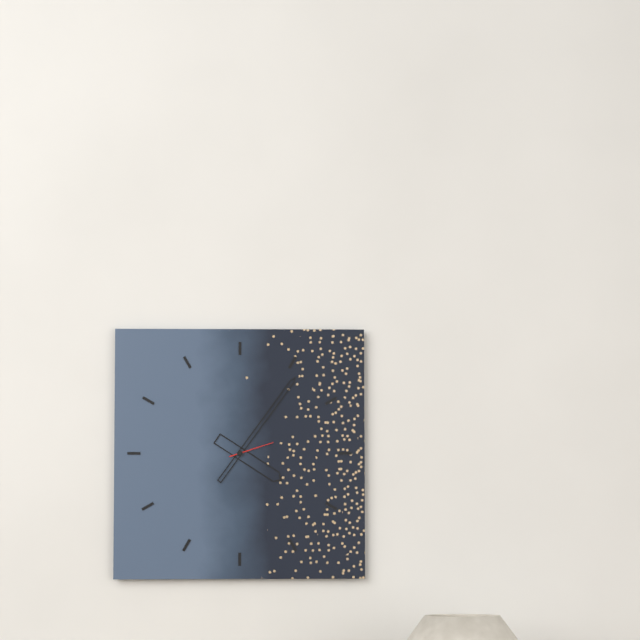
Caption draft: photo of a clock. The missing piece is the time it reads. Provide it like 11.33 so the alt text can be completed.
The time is 4.06
